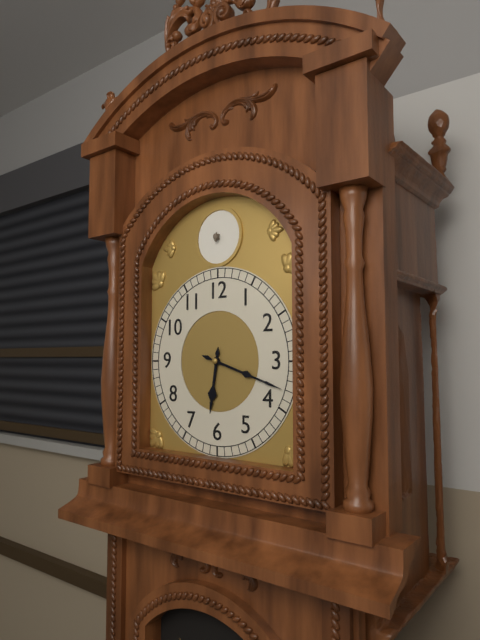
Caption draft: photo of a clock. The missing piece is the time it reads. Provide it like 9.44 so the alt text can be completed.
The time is 6.18
